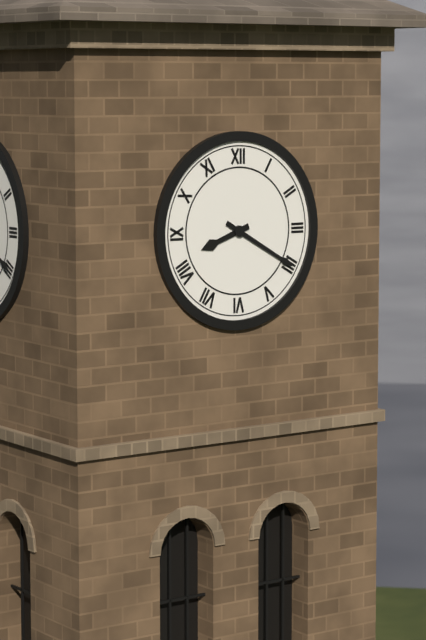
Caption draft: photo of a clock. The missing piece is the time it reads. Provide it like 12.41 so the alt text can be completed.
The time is 8.20
